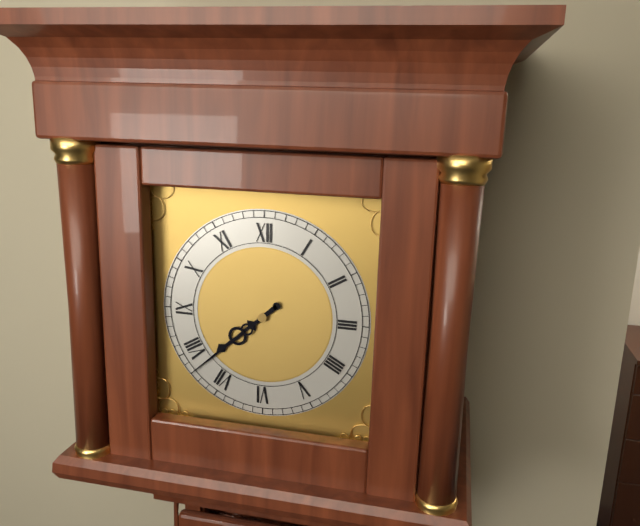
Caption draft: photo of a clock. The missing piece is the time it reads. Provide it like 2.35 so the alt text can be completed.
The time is 7.38
